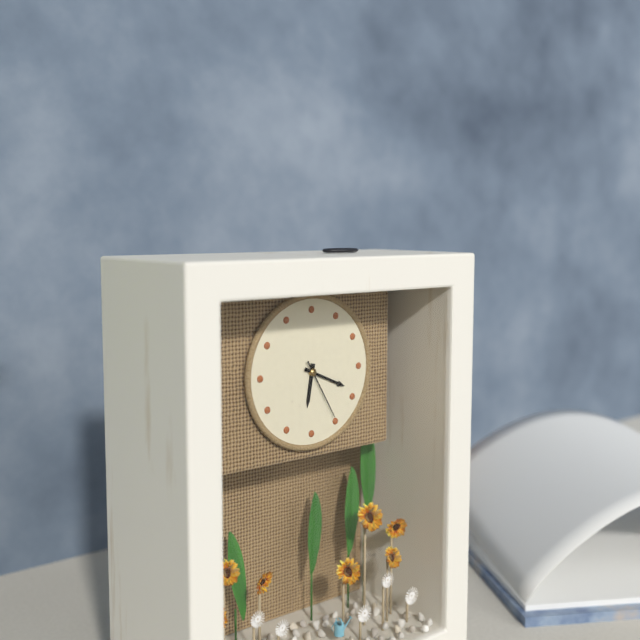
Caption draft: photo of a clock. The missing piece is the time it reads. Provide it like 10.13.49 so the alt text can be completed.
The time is 6.19.25
